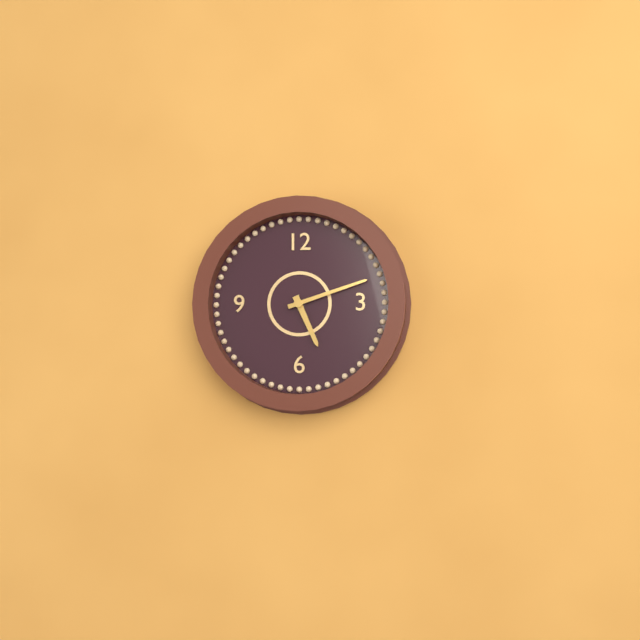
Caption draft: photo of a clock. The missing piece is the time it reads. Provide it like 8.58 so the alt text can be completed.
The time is 5.12
